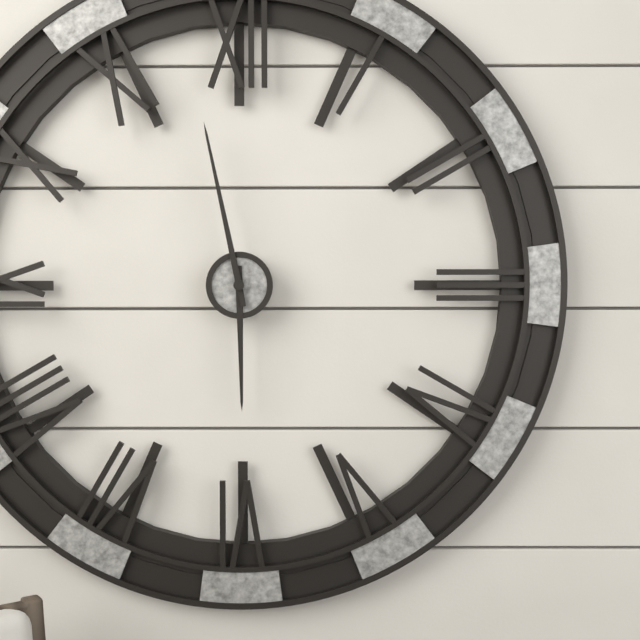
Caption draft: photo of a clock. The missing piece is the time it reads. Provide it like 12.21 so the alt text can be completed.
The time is 5.58
